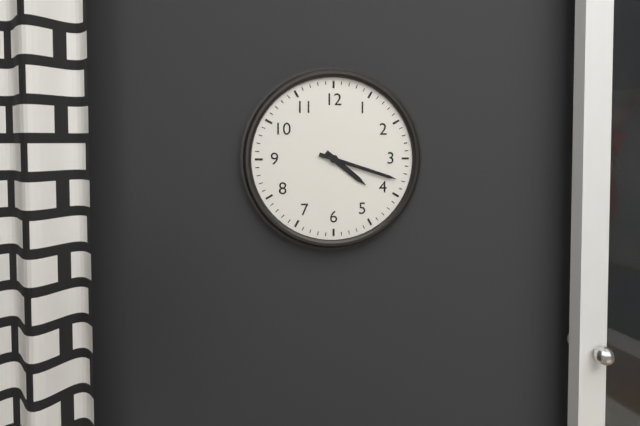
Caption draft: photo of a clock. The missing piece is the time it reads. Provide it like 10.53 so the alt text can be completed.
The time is 4.18
